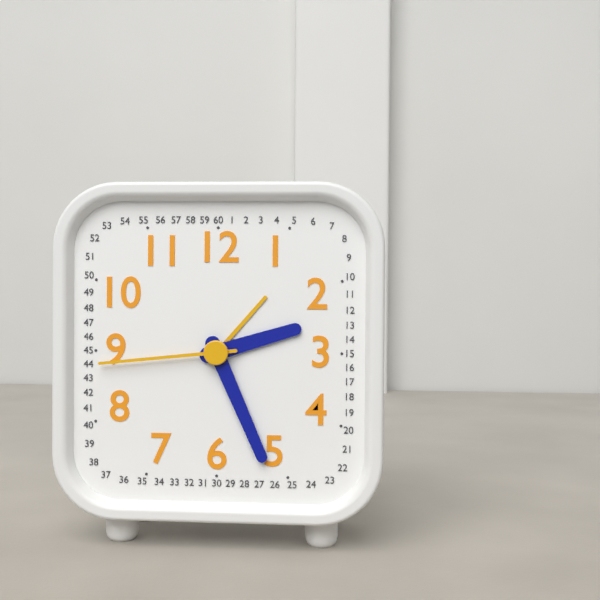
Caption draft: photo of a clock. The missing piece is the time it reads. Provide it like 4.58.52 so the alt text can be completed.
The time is 2.26.44
